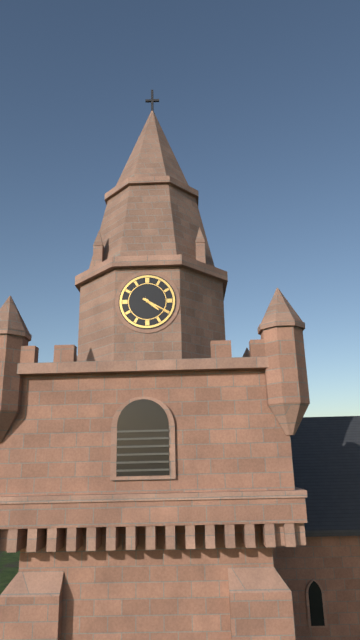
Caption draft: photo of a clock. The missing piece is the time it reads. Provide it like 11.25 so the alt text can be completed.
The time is 4.20
